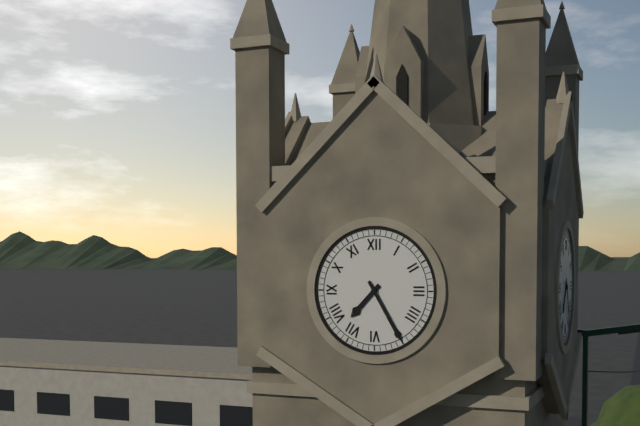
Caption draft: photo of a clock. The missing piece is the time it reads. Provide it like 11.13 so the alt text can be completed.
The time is 7.25
